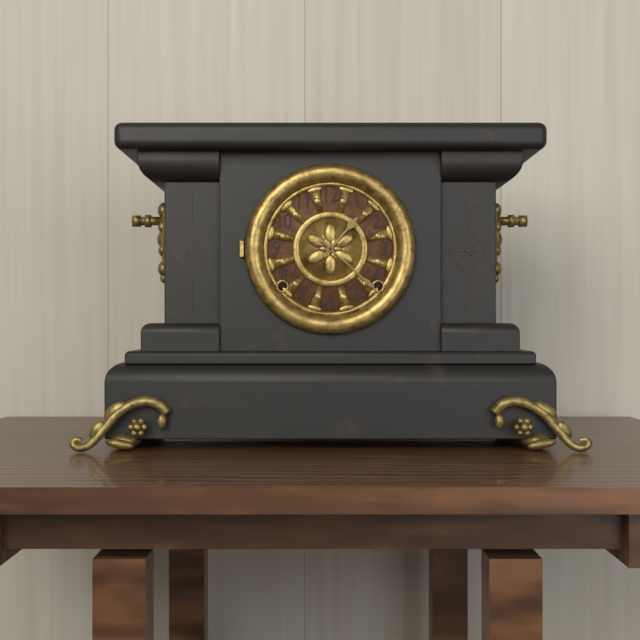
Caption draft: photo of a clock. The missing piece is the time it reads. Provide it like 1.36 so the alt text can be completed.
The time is 1.22
